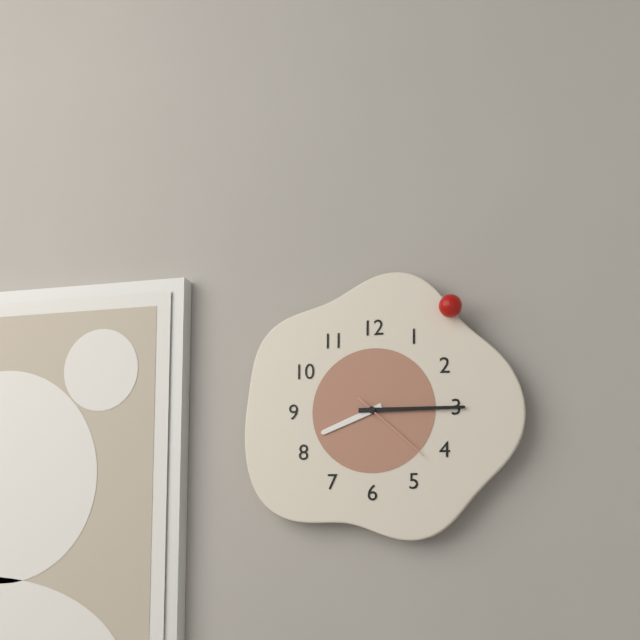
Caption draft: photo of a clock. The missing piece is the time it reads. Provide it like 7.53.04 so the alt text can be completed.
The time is 8.15.22
